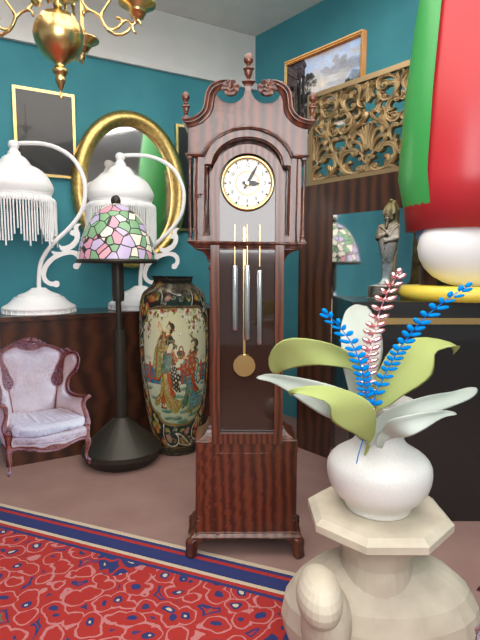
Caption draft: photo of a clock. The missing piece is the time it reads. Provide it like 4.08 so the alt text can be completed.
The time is 3.05
